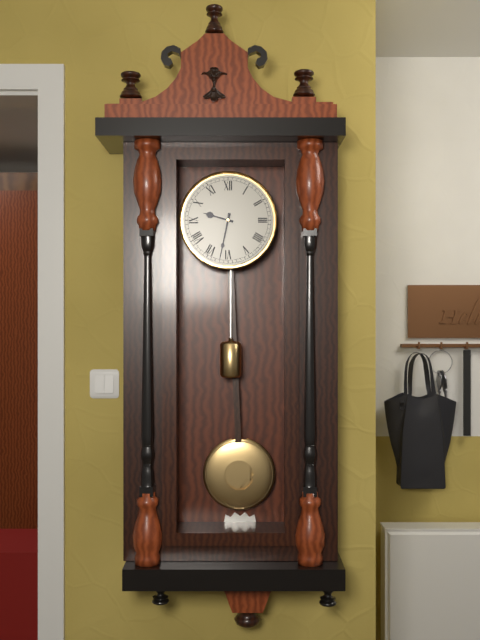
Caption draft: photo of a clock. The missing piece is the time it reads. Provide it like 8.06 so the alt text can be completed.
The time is 9.32
